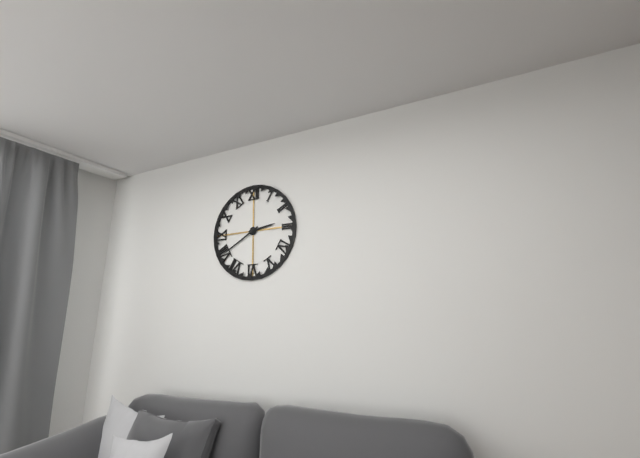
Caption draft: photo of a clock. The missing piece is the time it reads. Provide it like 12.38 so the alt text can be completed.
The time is 2.40
